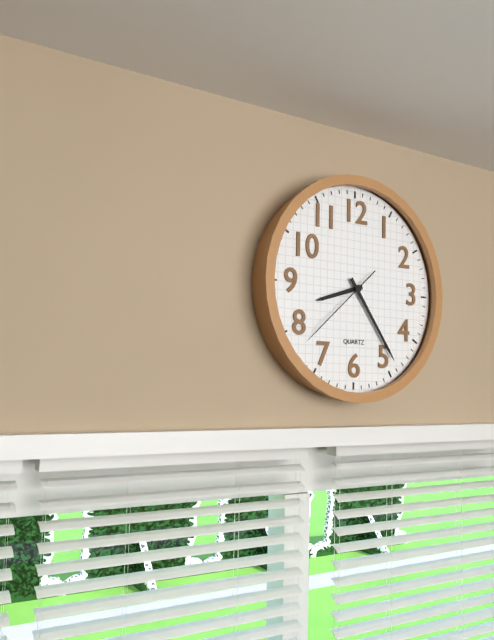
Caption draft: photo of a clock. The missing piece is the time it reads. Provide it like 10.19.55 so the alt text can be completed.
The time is 8.24.38
